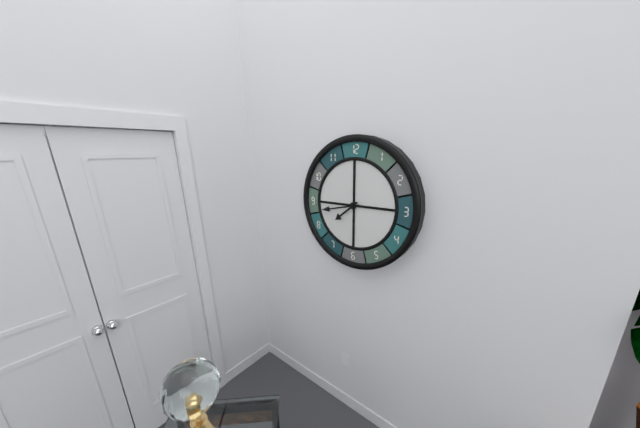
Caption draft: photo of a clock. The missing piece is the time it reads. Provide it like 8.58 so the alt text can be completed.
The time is 7.43
